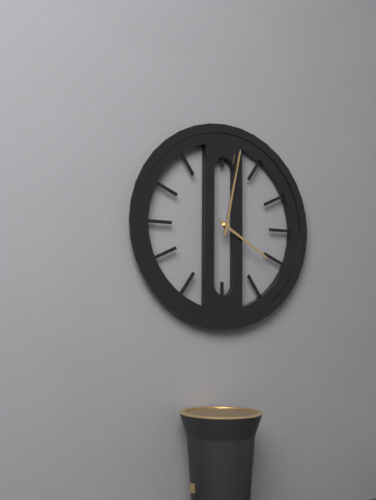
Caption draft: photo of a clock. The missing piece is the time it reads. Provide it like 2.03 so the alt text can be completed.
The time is 4.02
